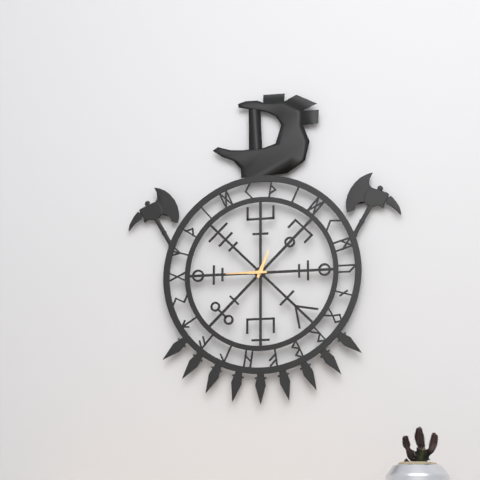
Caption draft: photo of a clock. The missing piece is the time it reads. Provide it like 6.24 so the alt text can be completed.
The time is 12.45
